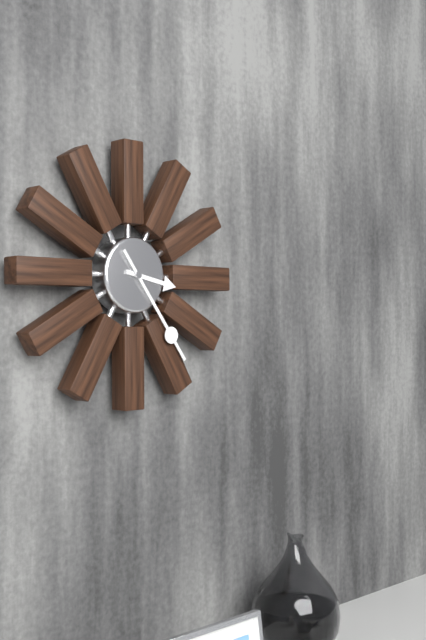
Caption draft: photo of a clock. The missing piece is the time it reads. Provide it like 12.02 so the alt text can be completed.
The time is 3.24
